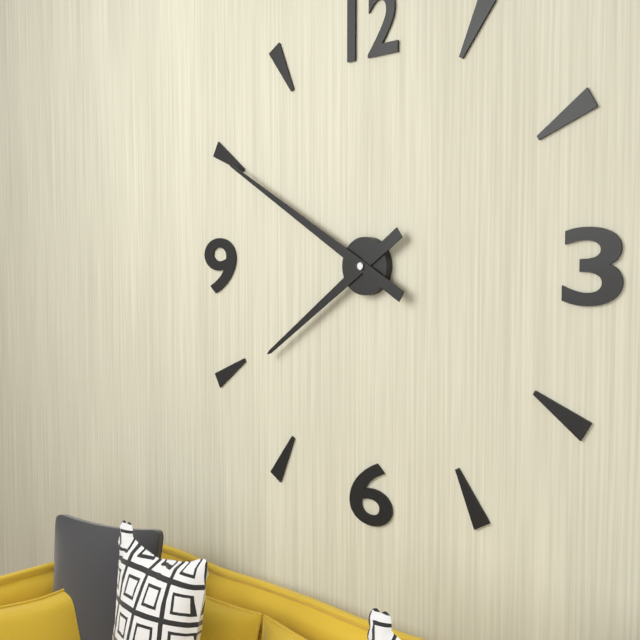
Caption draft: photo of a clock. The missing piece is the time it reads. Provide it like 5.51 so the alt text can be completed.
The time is 7.50
